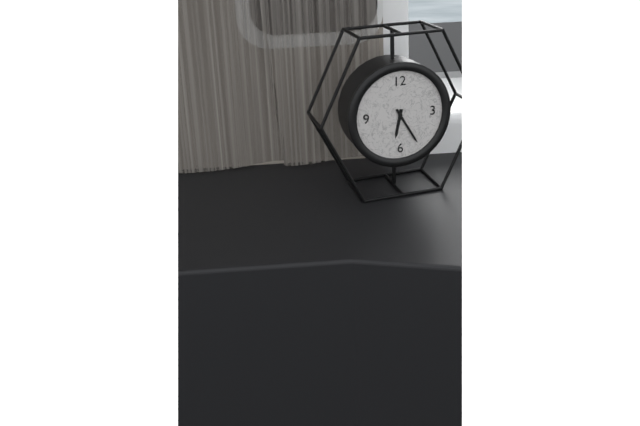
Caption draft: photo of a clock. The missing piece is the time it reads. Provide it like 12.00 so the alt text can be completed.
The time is 6.25
